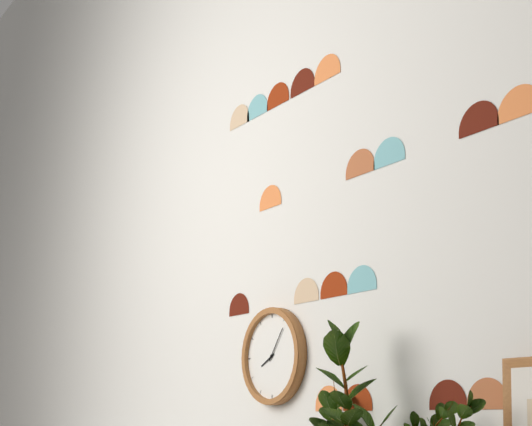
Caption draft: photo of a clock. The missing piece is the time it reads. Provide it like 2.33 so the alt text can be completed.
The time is 8.06
